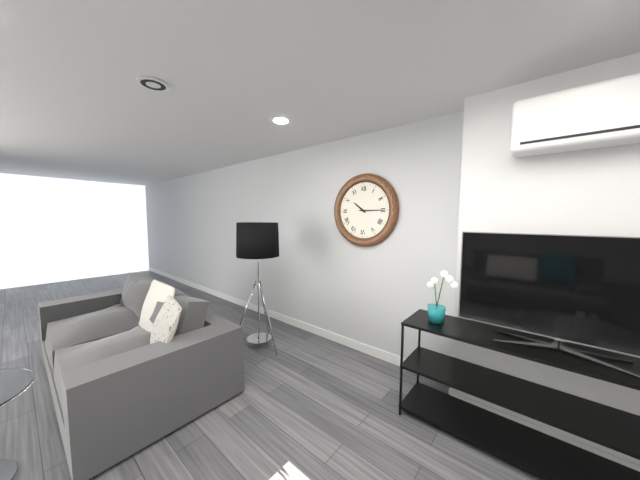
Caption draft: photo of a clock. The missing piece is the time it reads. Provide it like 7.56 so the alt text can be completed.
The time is 10.15
